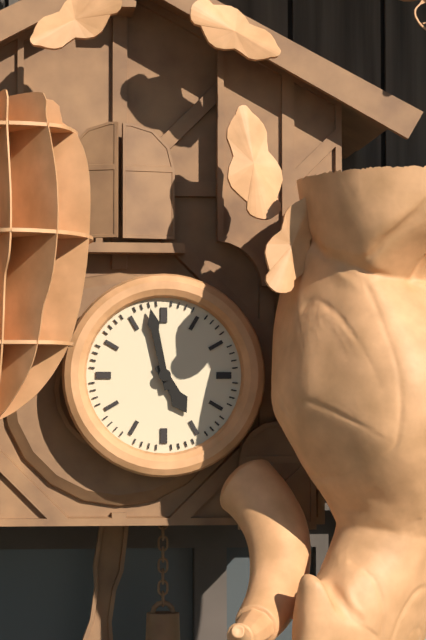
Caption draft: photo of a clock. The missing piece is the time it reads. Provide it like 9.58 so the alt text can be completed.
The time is 4.58
